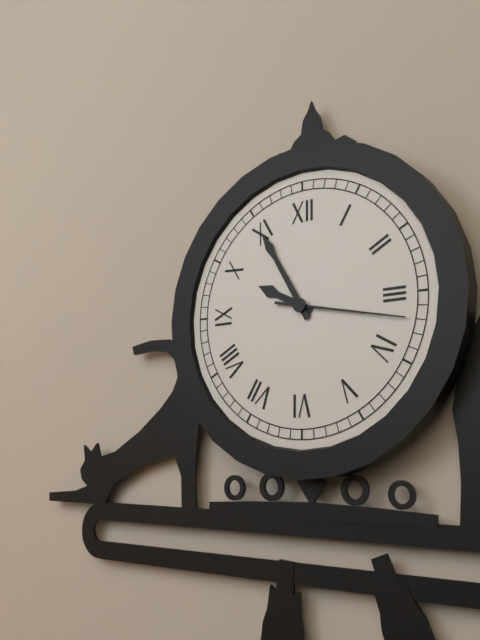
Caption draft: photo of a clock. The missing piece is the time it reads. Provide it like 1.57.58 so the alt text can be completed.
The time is 9.55.17
